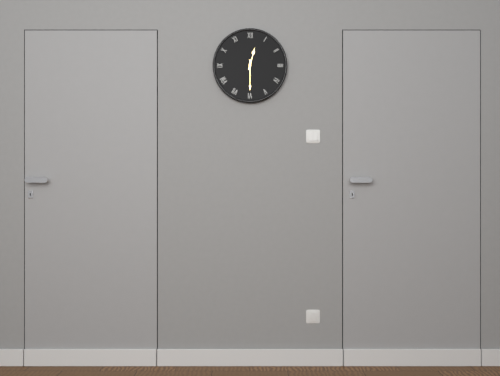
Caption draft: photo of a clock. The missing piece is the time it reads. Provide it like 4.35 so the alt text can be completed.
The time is 12.30
